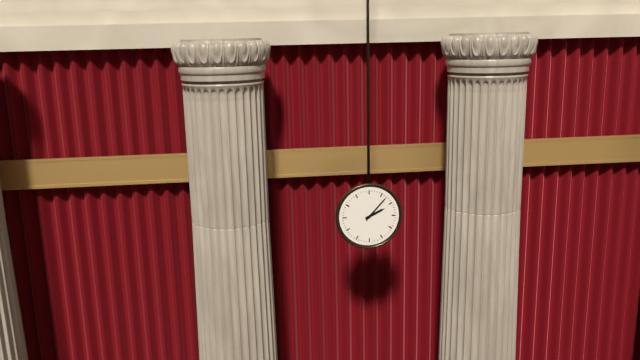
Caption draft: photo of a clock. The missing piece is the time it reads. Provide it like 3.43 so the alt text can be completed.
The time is 2.07
